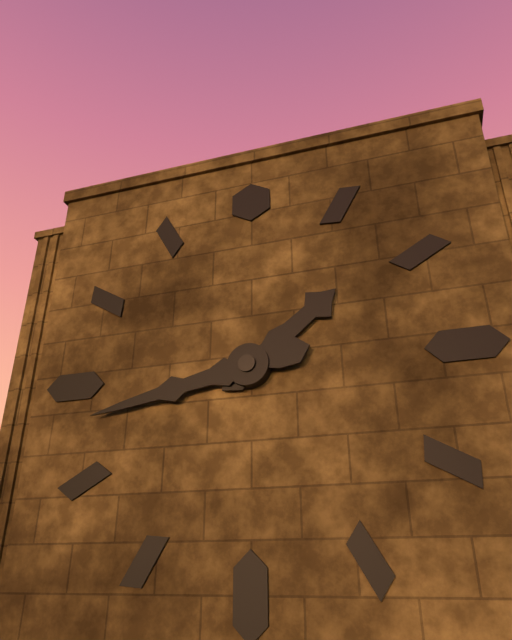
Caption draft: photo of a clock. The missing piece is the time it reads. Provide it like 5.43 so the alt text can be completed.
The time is 1.43
